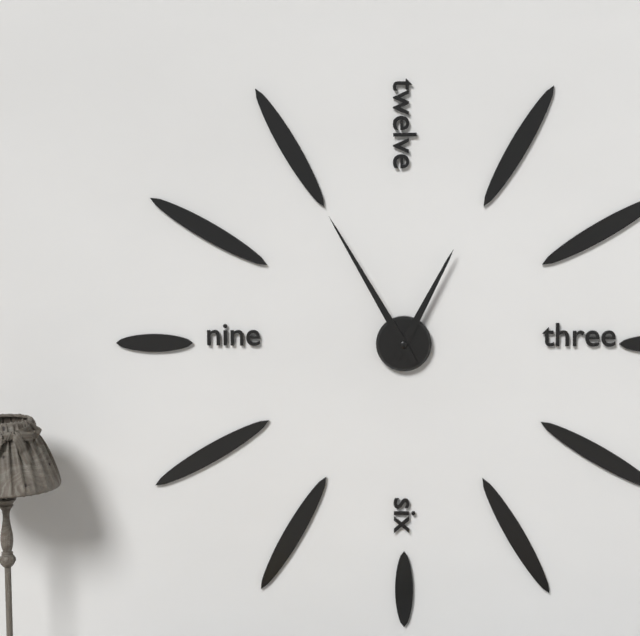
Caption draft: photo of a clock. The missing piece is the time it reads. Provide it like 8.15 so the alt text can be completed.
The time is 12.55
